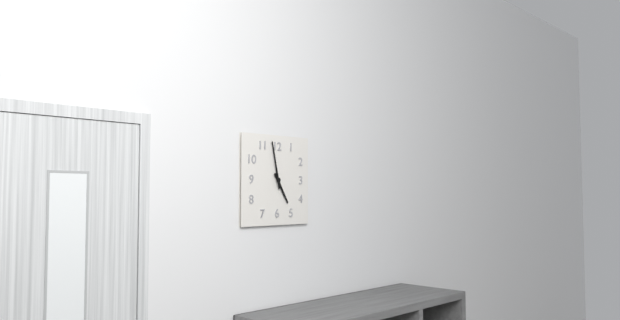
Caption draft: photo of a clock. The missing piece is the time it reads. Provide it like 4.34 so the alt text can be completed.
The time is 4.58
